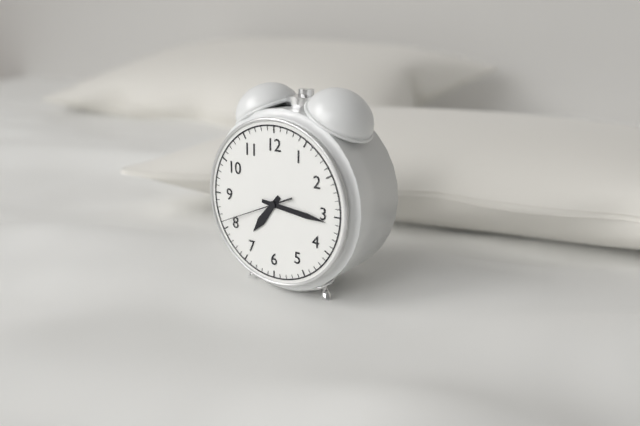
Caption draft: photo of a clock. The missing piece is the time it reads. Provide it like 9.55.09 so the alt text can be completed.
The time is 7.16.41
